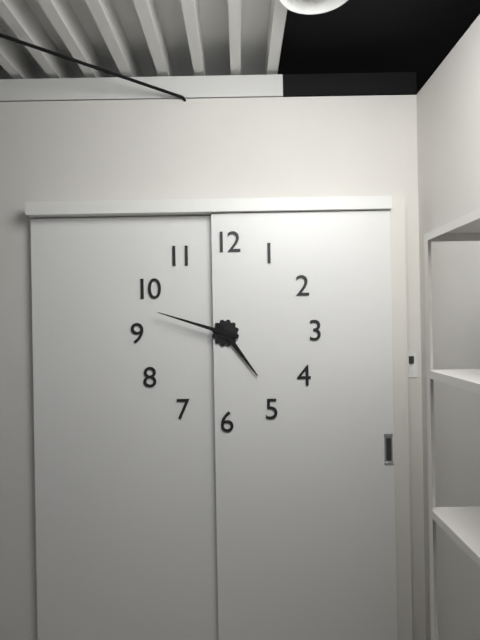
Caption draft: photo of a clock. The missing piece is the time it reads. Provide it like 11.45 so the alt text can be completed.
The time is 4.48
